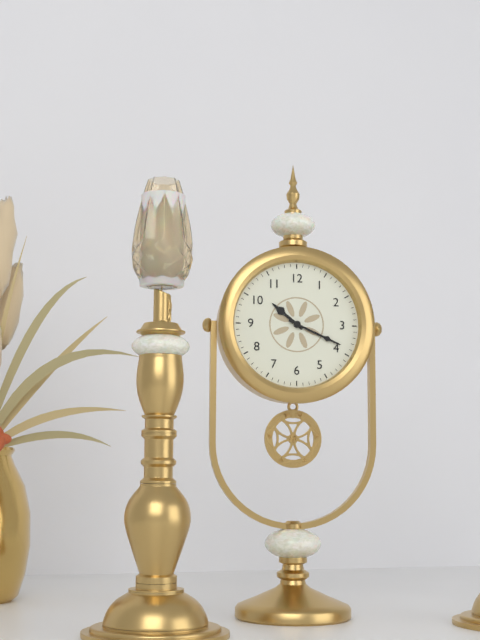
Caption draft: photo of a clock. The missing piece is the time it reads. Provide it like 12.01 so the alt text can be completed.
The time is 10.19
